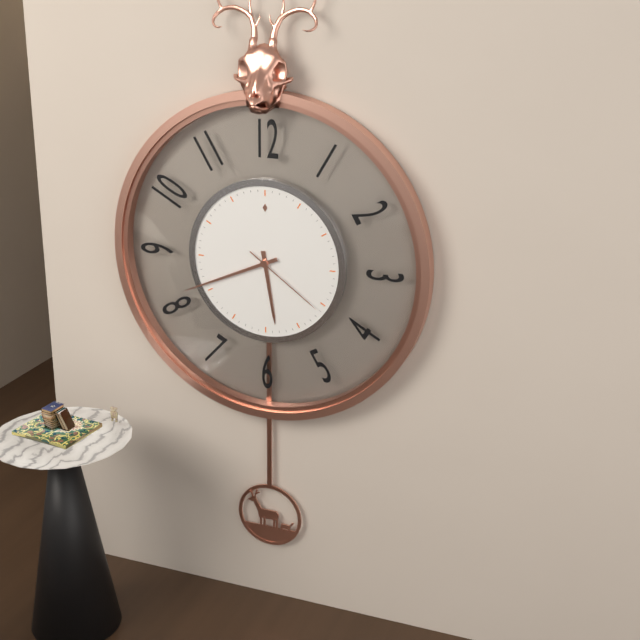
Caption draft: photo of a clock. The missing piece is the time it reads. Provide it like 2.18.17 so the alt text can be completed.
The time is 5.41.21
